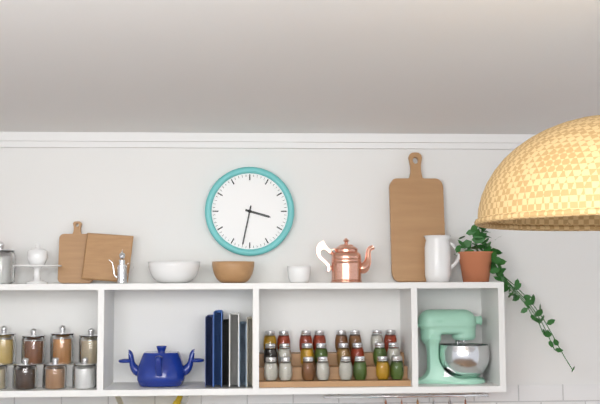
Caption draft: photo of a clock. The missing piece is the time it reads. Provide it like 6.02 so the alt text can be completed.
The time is 3.32
